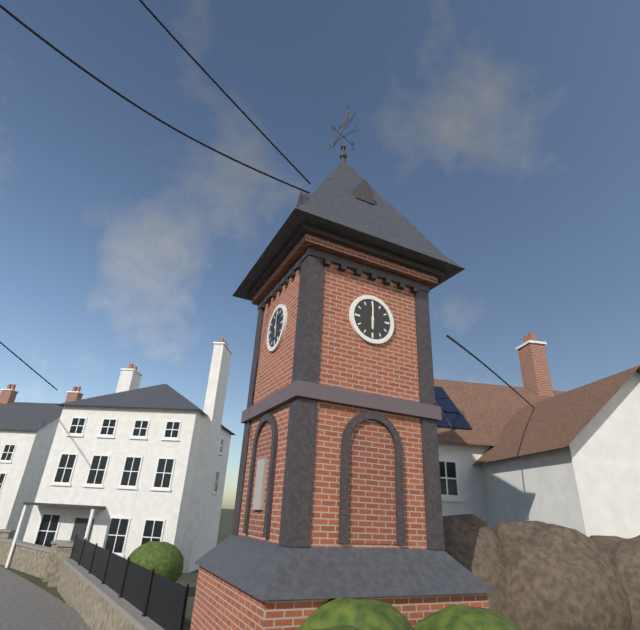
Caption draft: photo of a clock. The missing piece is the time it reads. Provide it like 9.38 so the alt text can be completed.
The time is 6.00
